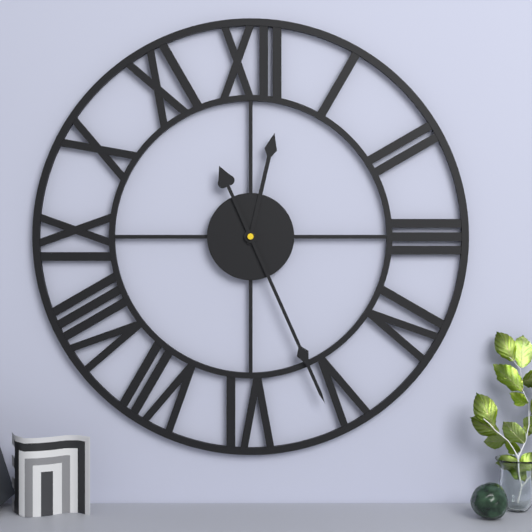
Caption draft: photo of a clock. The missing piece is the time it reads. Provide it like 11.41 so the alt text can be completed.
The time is 12.26
